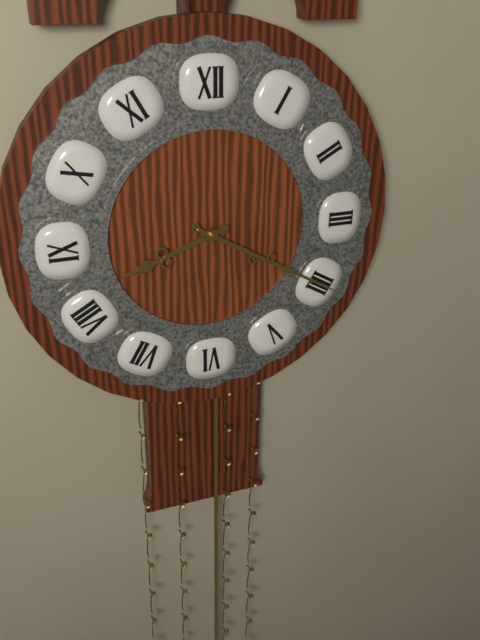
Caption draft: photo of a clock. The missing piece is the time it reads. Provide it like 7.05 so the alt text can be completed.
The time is 8.20
